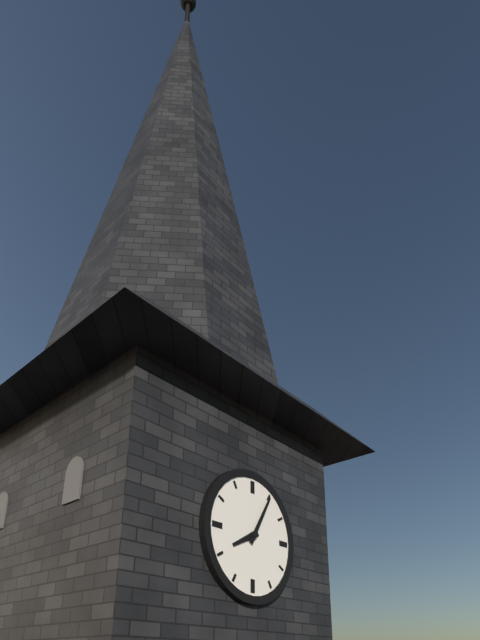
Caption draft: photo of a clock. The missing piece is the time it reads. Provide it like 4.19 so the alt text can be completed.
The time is 8.05
